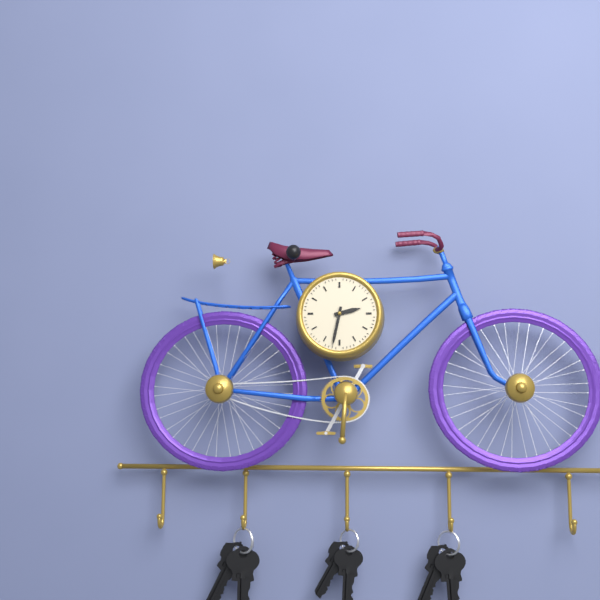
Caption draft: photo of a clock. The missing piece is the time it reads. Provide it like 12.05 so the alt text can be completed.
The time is 2.32
